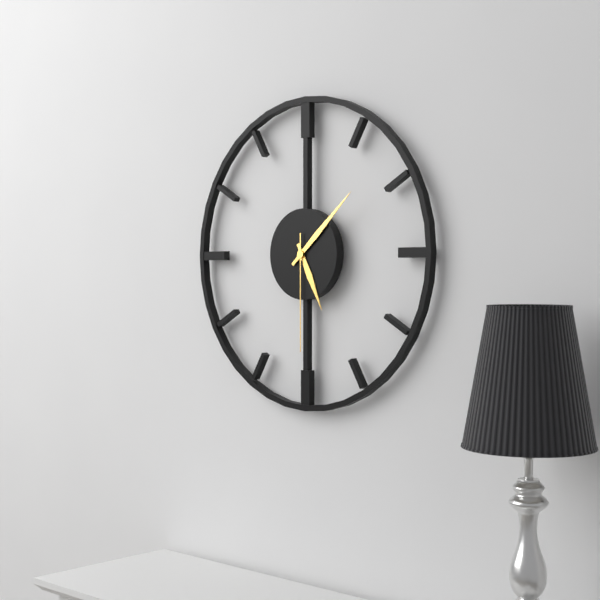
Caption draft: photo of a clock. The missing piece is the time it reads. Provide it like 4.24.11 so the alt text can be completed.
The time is 5.08.30
